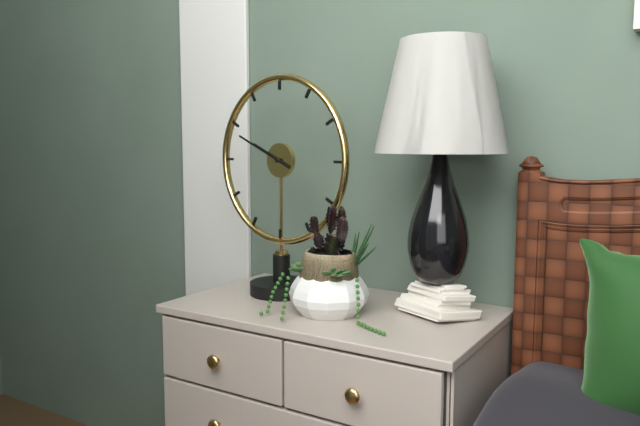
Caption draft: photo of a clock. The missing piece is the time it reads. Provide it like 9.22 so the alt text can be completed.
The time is 9.49
